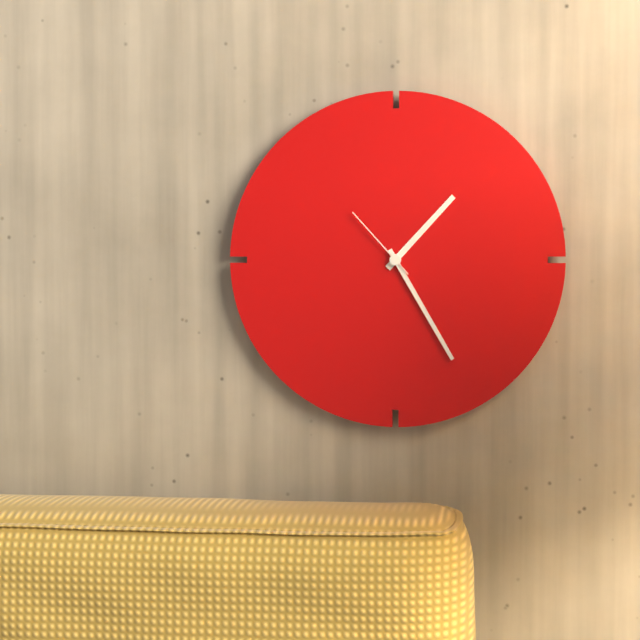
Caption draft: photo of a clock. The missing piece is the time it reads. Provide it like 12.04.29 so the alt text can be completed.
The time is 1.25.53
